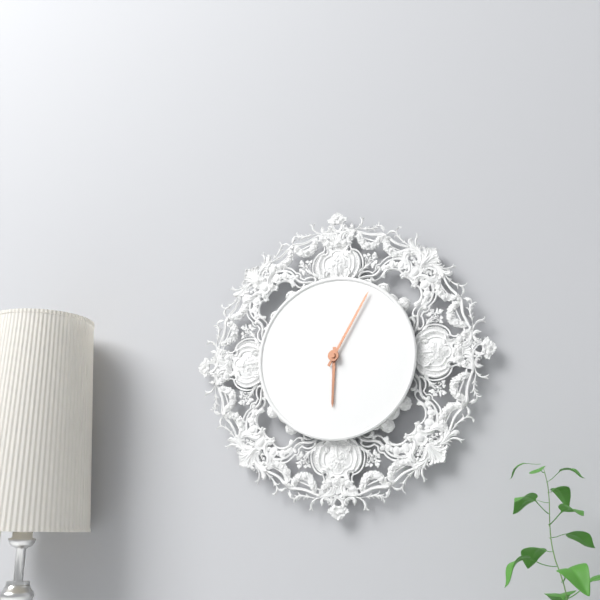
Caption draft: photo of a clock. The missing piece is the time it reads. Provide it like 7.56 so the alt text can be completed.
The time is 6.05
